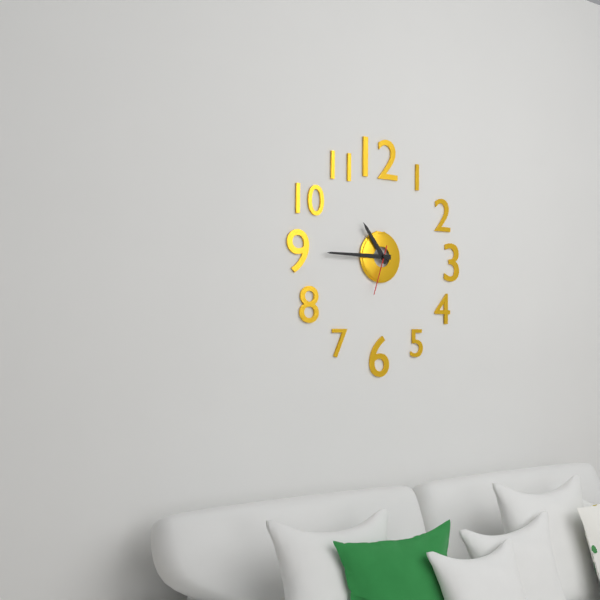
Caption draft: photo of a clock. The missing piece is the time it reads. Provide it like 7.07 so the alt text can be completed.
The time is 10.45
